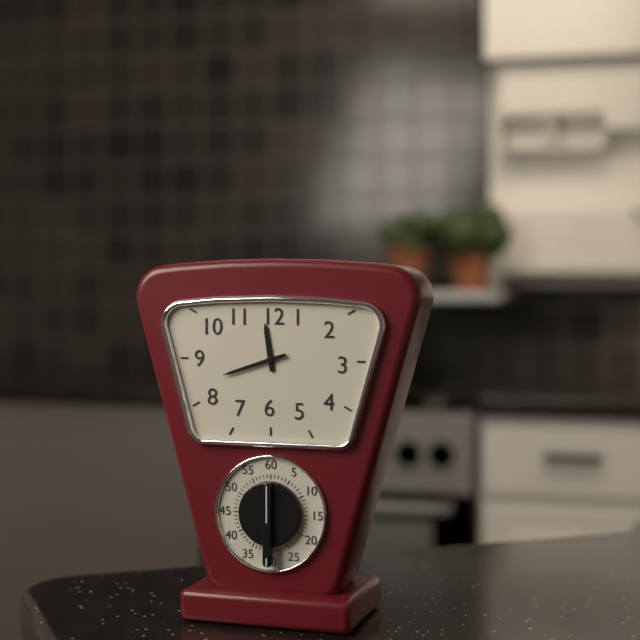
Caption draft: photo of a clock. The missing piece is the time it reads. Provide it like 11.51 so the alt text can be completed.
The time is 11.42
